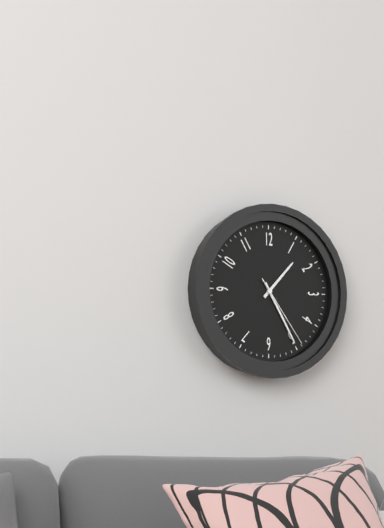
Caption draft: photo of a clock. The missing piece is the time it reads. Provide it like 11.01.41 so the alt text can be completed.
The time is 1.25.24
